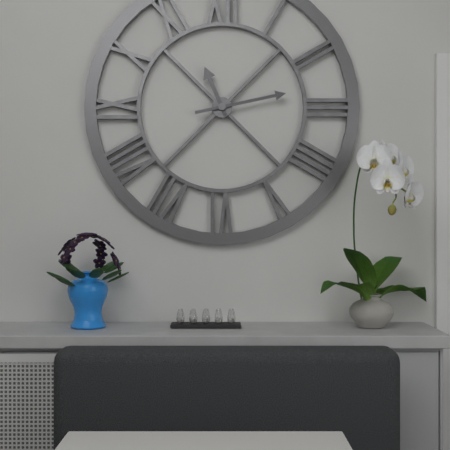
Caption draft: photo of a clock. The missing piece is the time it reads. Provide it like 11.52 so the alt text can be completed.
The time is 11.13
